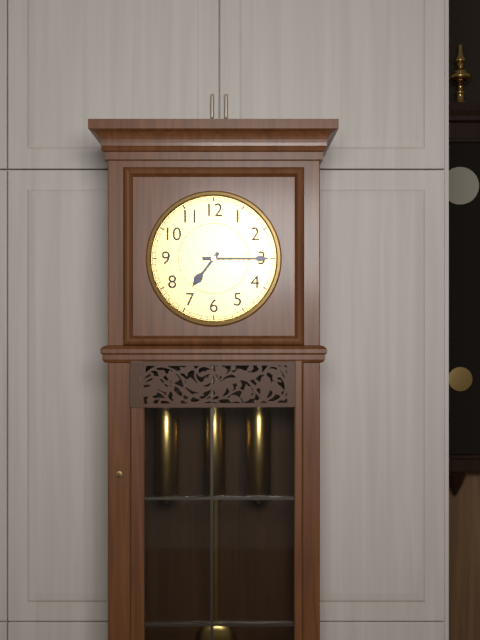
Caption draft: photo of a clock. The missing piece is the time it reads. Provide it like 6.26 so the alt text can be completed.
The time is 7.15
